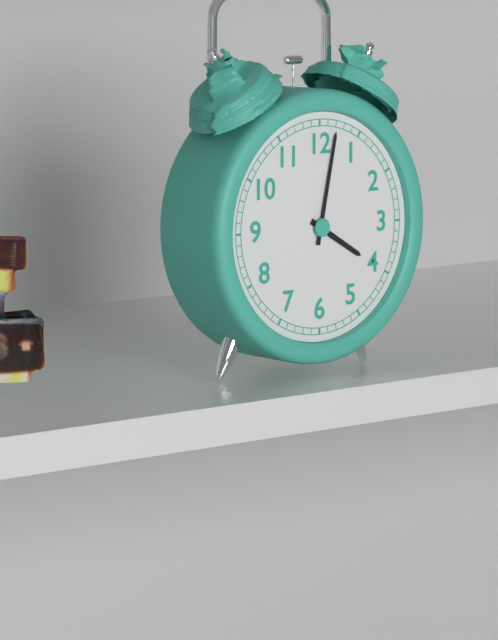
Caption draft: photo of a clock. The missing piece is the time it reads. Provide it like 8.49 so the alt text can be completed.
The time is 4.02
